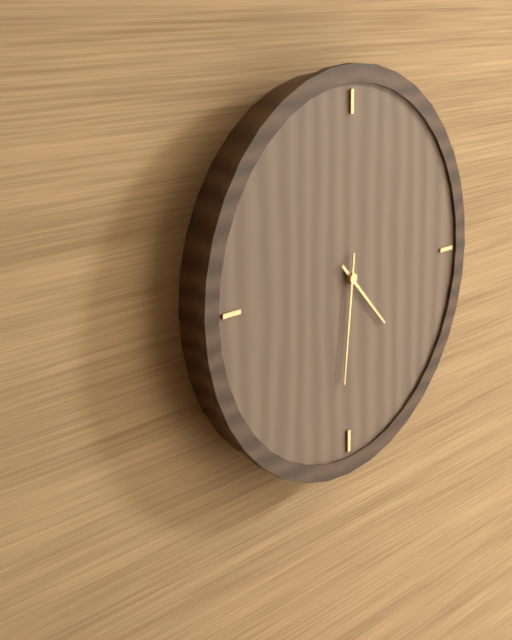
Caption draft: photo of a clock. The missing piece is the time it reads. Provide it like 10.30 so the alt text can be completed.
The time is 4.31
